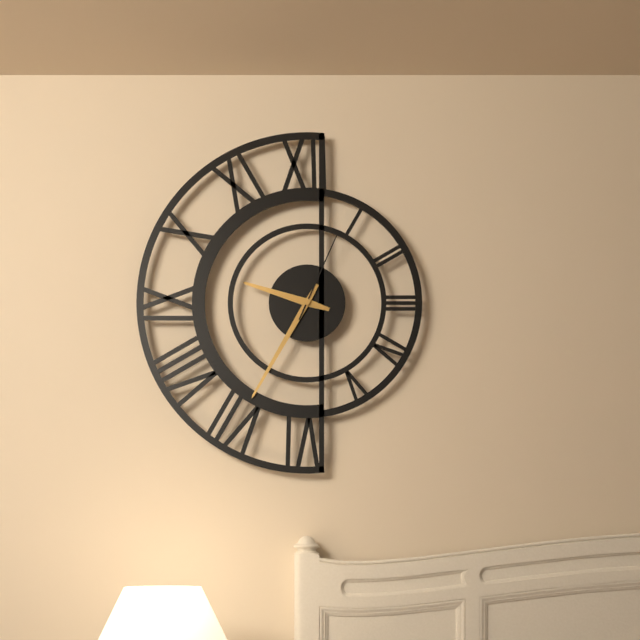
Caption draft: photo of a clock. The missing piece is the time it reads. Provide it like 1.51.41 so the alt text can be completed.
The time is 9.35.04
